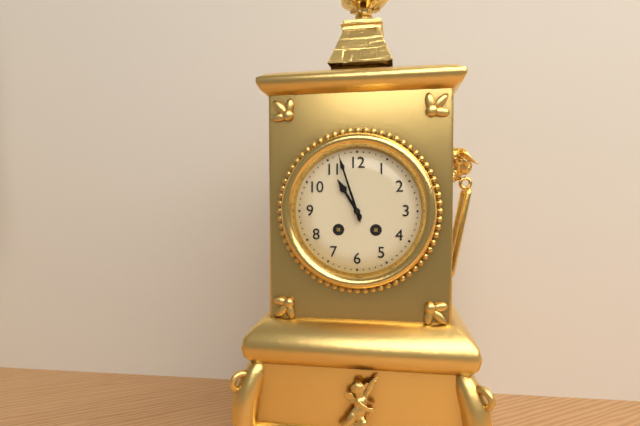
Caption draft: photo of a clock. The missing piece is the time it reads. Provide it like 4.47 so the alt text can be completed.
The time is 10.57
